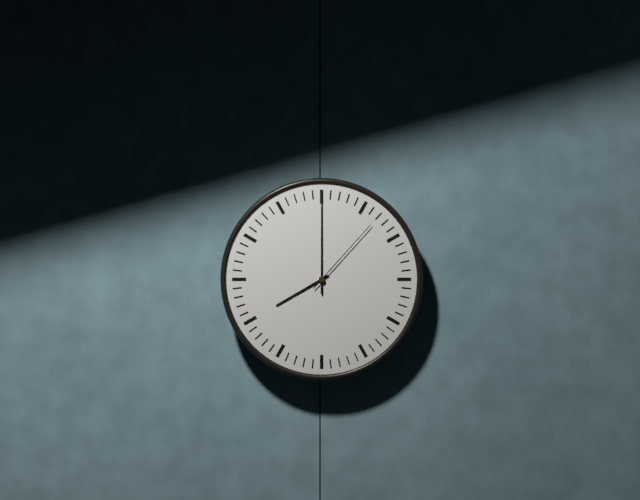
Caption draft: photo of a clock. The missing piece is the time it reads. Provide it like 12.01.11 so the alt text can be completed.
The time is 8.00.07
